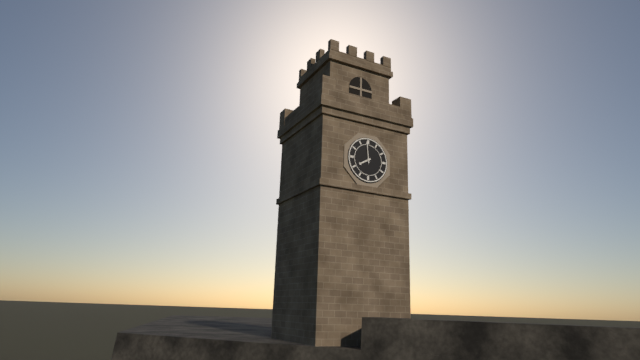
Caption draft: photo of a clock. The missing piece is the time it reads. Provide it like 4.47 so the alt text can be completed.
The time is 7.59
